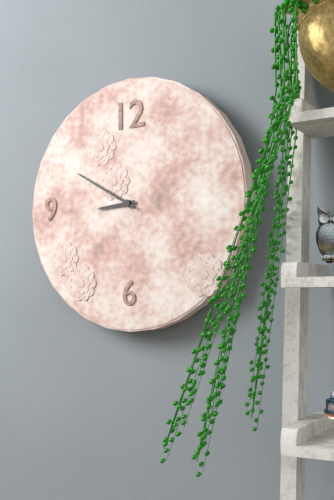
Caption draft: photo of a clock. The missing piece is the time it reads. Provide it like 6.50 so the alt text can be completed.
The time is 8.50
